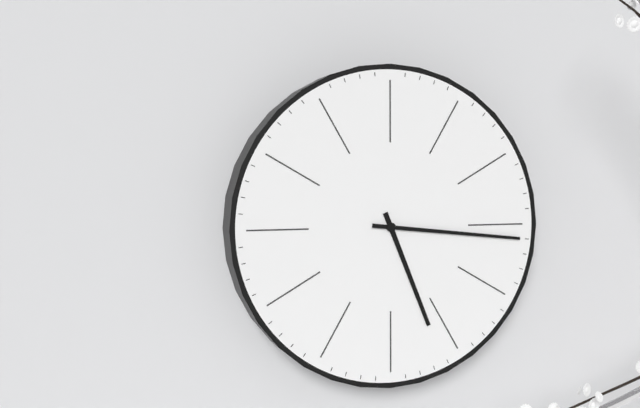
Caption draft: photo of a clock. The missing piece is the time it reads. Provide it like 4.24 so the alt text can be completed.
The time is 5.16
